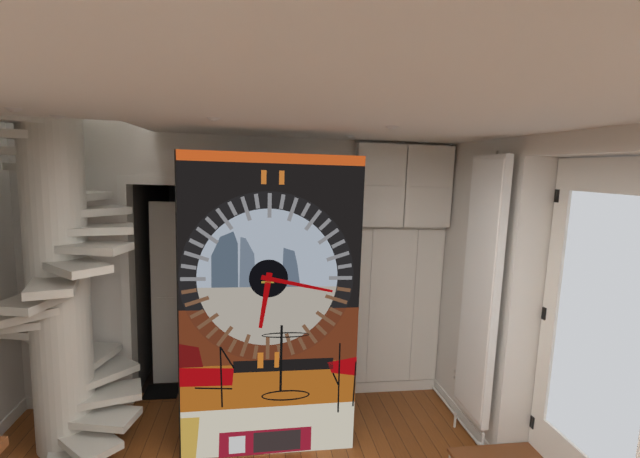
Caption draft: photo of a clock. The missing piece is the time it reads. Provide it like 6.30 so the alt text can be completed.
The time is 6.17
